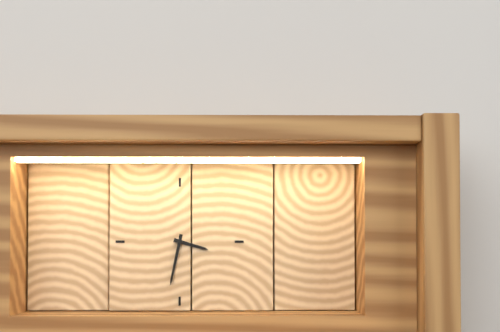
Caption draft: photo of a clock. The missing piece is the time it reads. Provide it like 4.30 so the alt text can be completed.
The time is 3.32
